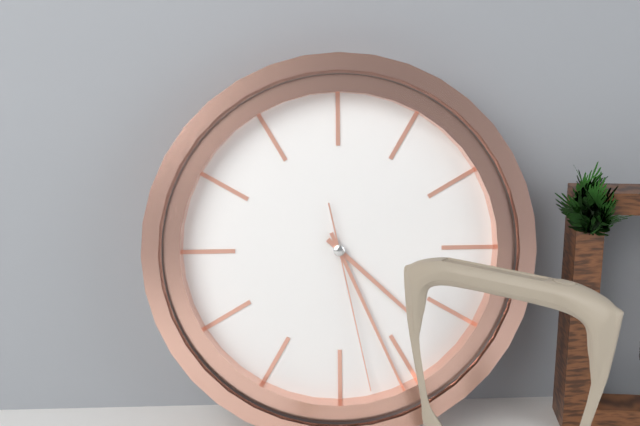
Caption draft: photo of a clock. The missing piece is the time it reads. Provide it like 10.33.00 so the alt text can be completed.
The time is 4.26.28
